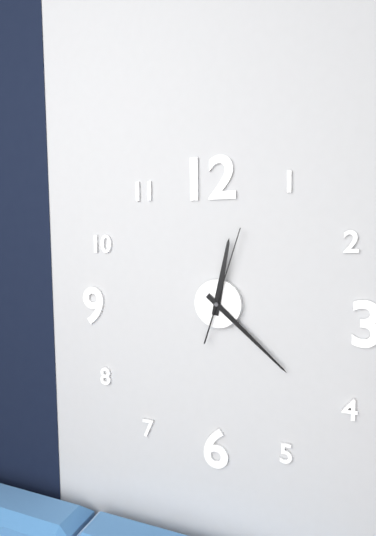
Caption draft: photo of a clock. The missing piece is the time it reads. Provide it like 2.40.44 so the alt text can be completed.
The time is 12.22.03
